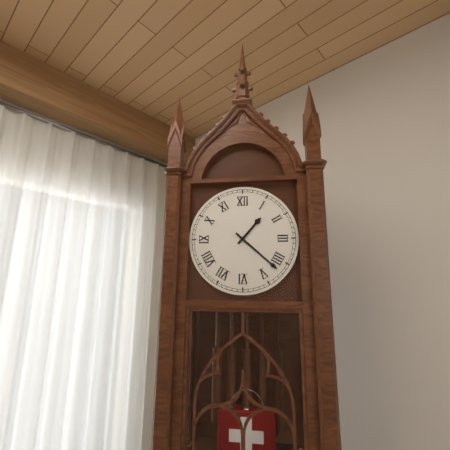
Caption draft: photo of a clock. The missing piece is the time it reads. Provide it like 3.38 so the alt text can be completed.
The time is 1.22
